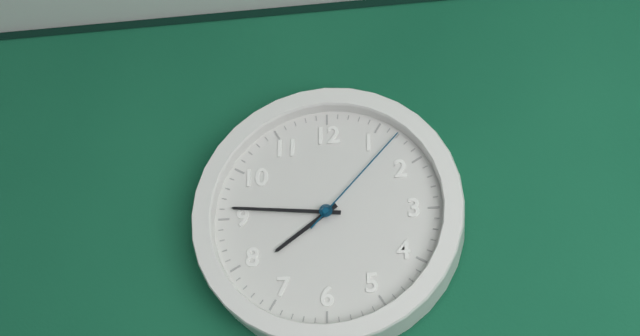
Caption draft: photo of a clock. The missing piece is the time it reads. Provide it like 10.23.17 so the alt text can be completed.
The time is 7.46.07
